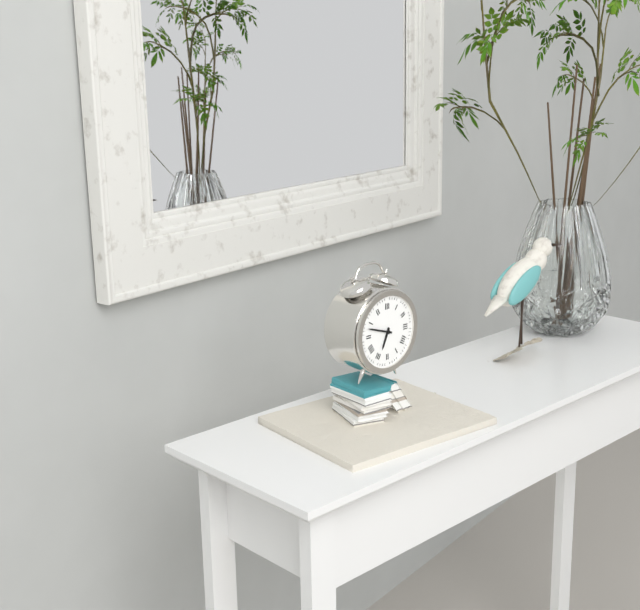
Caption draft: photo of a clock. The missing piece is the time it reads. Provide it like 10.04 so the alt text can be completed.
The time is 6.48
